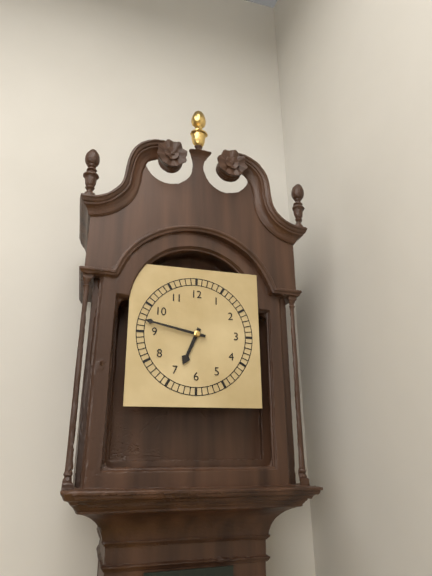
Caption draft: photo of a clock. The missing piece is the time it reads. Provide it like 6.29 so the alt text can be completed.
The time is 6.47
